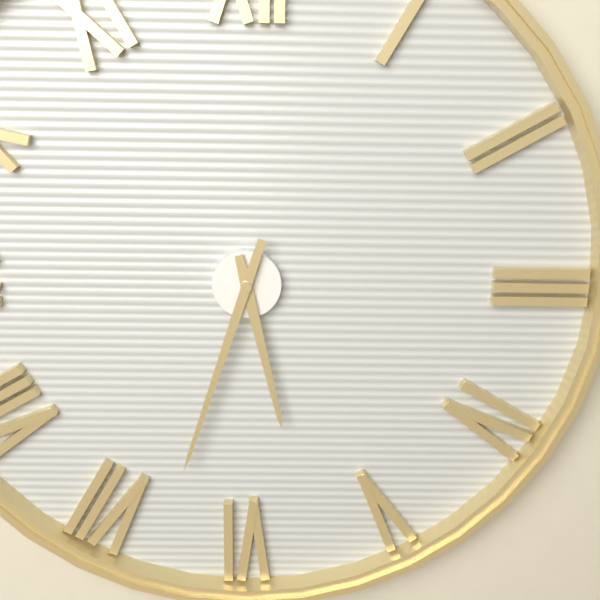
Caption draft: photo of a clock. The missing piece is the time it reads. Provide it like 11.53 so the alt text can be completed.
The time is 5.33
